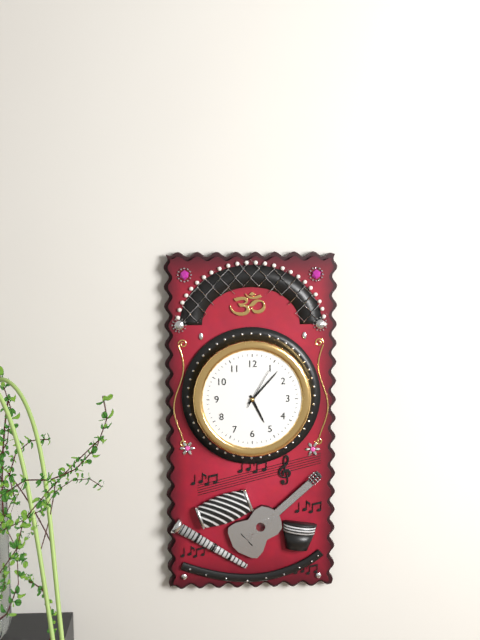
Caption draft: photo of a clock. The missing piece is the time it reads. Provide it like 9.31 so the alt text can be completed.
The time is 5.07
